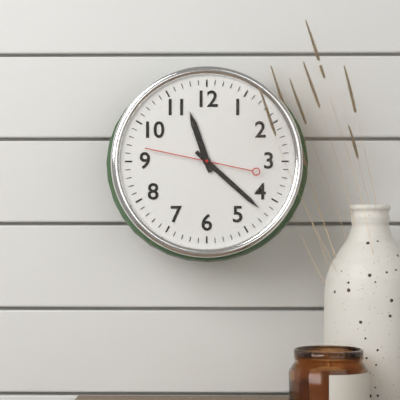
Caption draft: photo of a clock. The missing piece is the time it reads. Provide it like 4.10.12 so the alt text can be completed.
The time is 11.22.47
